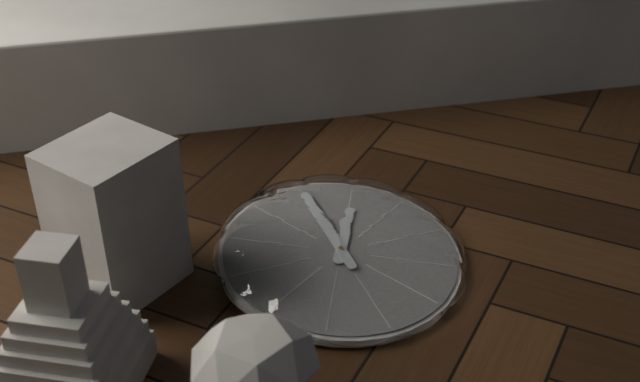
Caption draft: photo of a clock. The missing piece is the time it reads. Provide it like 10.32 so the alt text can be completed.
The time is 2.05
